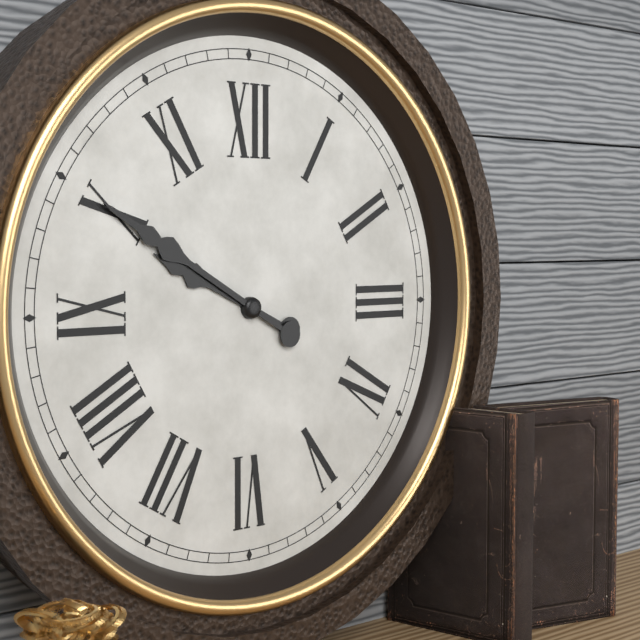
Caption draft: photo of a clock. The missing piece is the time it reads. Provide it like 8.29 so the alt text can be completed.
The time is 9.50
